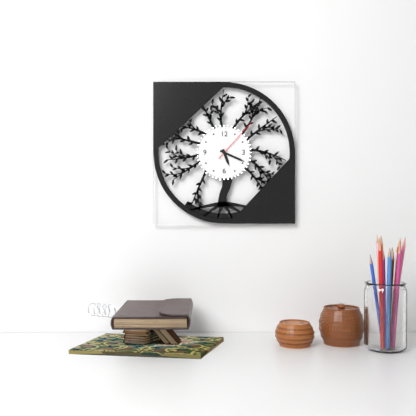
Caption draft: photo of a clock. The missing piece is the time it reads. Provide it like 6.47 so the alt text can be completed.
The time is 5.19
